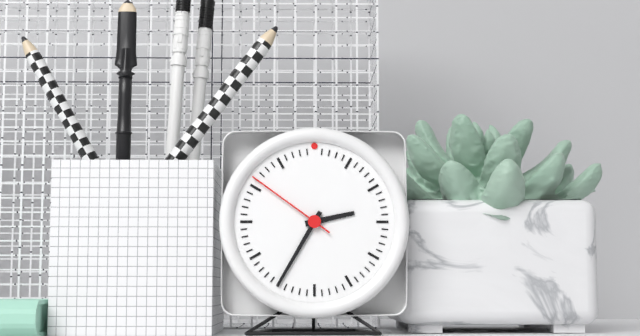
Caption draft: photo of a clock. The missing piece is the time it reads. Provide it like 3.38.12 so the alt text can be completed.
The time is 2.35.51
